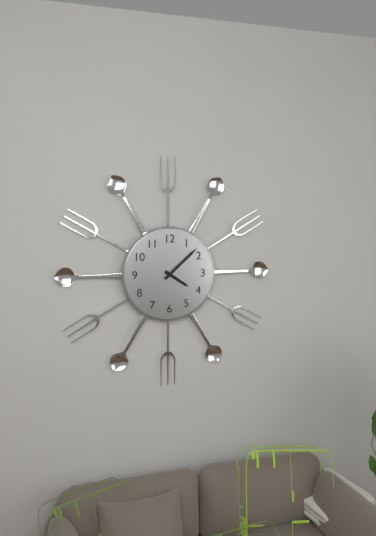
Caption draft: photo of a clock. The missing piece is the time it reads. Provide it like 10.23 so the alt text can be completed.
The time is 4.08
